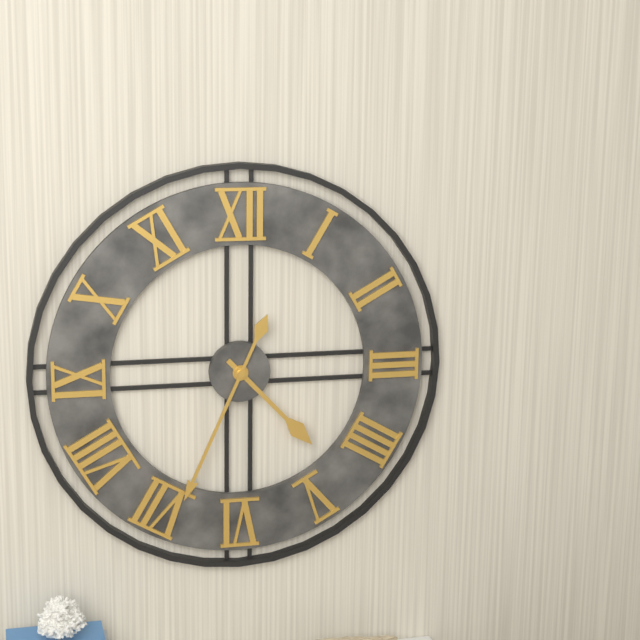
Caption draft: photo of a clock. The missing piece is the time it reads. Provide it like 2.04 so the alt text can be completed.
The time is 4.34
